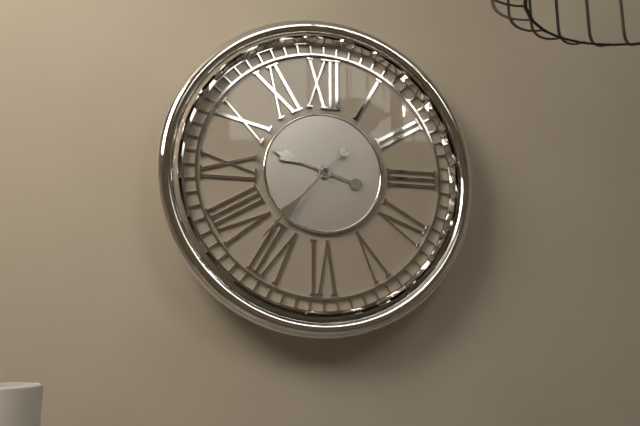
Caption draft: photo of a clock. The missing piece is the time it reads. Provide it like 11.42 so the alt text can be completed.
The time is 9.37
